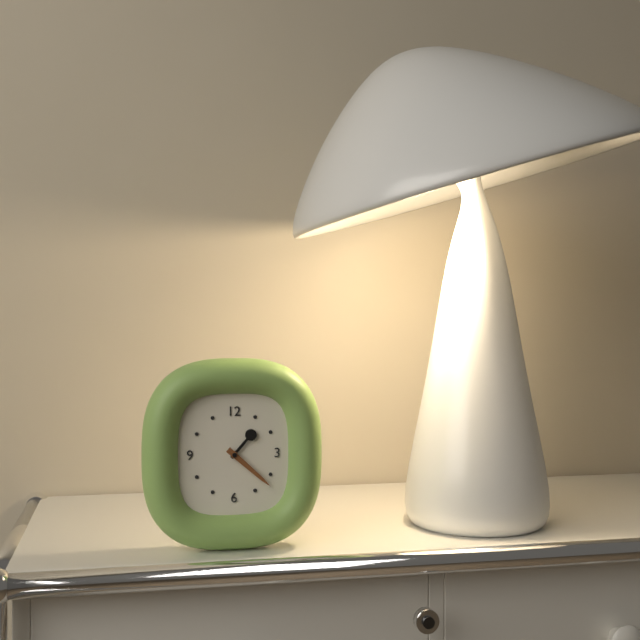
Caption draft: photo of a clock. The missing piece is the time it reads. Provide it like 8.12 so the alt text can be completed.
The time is 1.22
